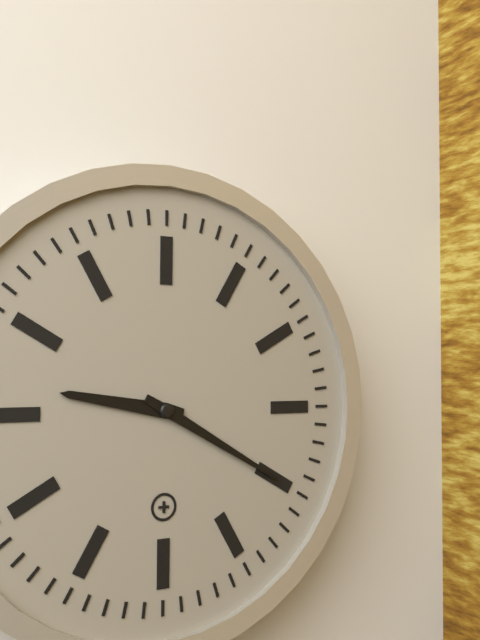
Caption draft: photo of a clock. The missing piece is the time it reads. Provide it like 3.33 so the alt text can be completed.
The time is 9.20
